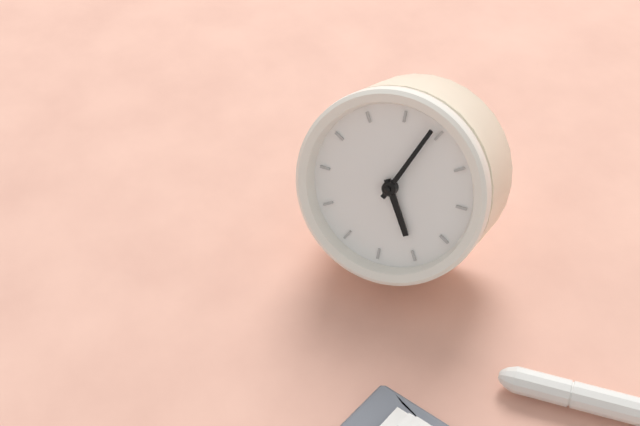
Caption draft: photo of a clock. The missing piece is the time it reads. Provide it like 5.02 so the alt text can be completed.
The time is 3.59
